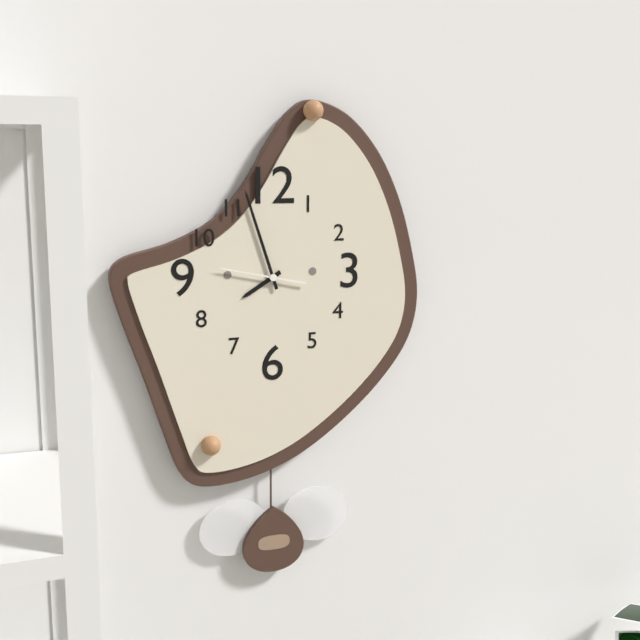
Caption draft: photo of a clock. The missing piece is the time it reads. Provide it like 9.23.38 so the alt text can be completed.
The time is 7.57.47
